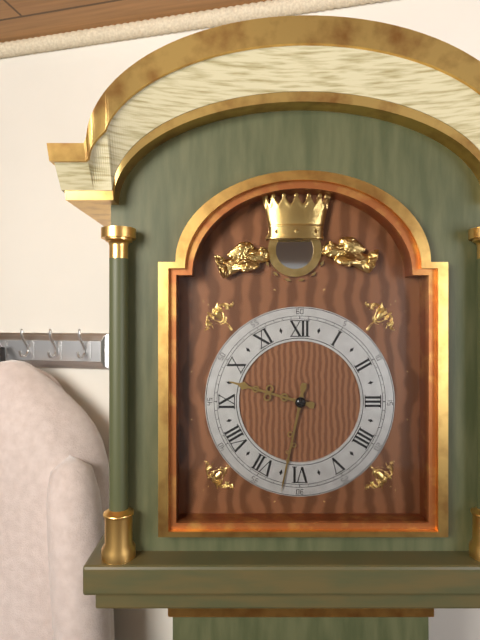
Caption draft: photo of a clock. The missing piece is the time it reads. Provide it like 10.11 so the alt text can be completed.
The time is 9.32
